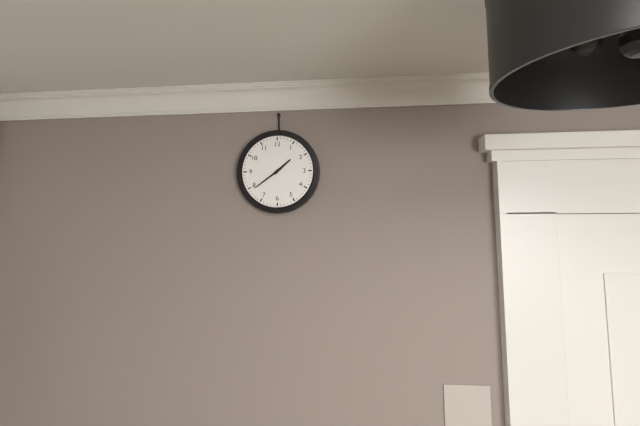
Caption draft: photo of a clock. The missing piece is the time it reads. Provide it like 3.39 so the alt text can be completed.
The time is 1.39
